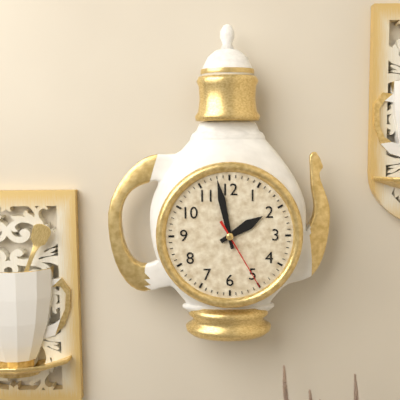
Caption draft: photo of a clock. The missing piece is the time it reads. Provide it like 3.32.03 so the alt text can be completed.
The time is 1.58.25
